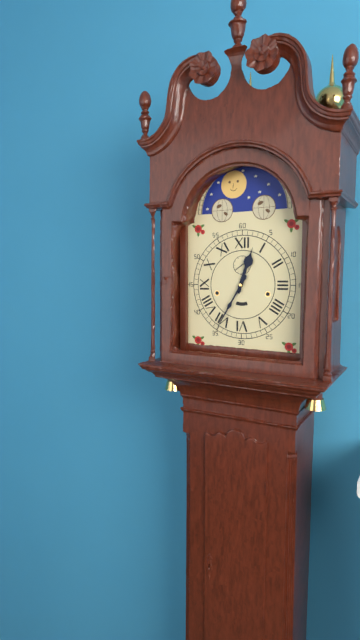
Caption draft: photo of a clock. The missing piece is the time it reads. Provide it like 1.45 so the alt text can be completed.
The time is 12.35
